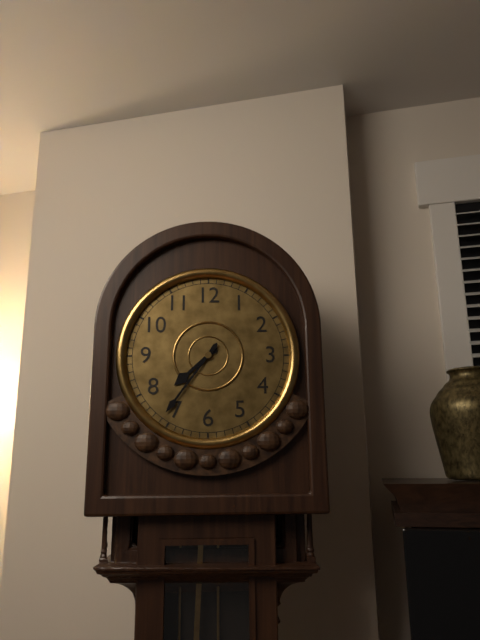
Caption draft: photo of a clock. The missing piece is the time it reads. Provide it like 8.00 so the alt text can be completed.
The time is 7.36
